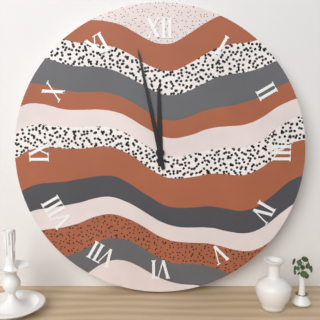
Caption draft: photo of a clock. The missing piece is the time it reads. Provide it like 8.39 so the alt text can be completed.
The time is 11.58
